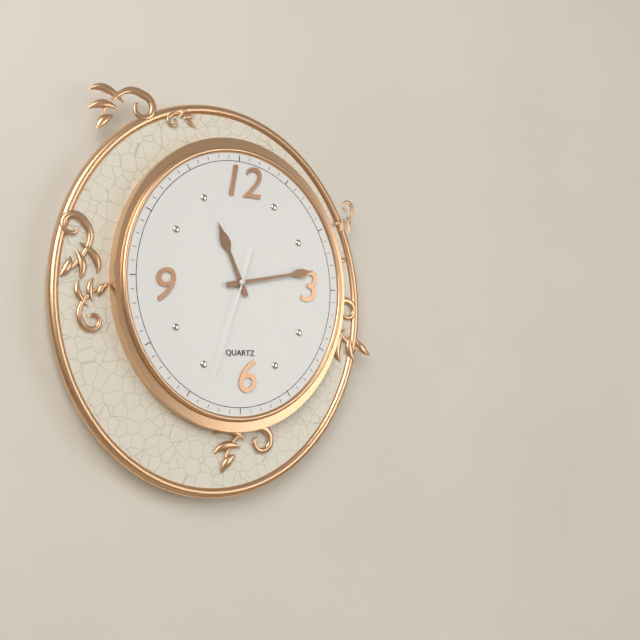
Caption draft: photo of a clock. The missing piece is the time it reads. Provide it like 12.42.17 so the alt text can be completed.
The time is 11.13.33
